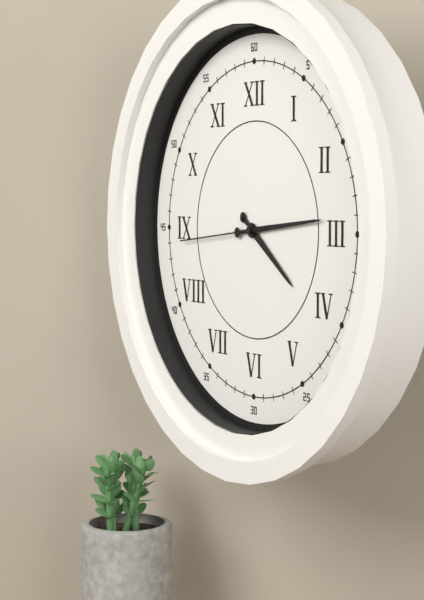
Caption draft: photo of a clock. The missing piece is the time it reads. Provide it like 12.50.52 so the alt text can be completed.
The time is 4.14.44
